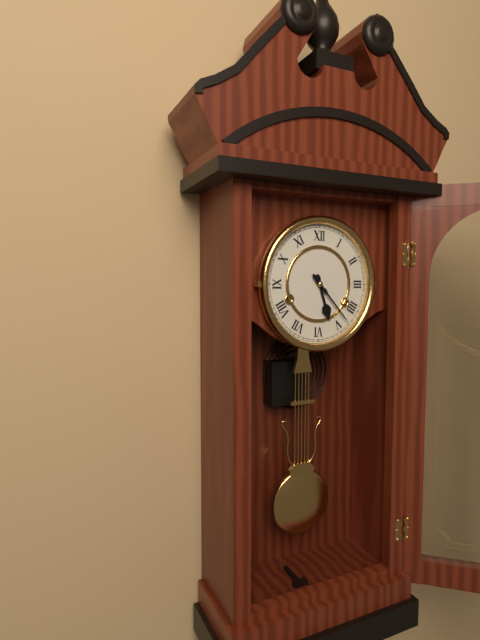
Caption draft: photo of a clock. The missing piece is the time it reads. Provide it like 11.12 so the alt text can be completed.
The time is 5.23
